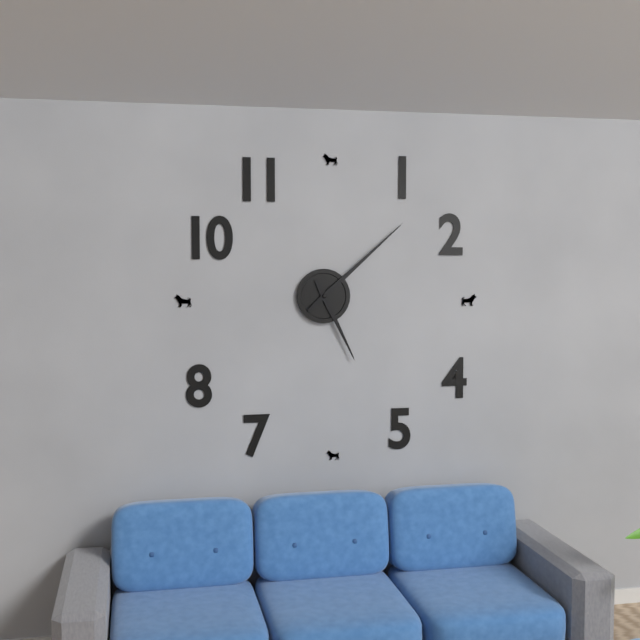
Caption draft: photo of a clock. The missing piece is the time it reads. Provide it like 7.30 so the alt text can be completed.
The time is 5.08
